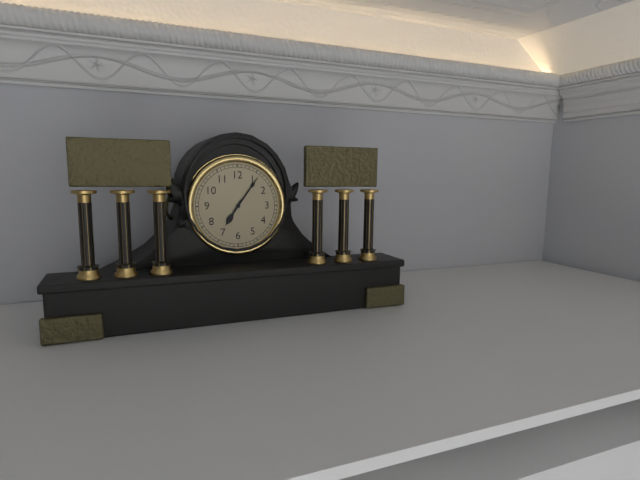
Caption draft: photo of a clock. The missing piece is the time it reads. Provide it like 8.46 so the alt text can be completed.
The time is 7.06
